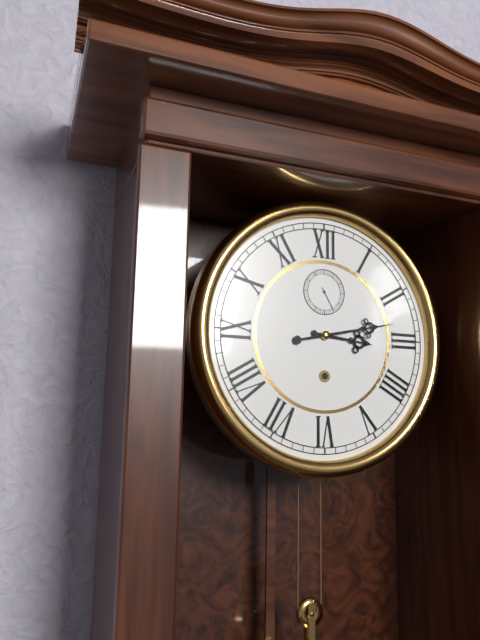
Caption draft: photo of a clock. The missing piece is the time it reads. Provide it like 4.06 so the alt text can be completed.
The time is 3.13
